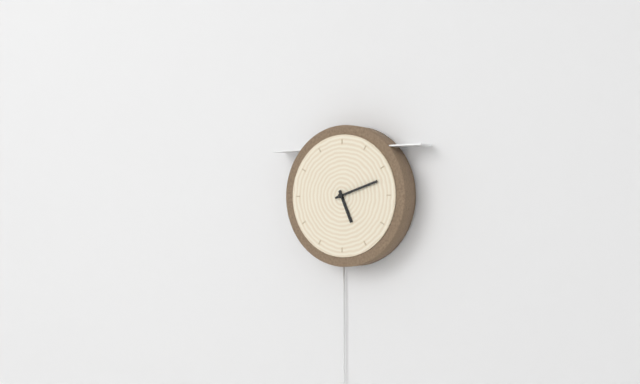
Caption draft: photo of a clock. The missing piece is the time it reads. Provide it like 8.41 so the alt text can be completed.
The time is 5.12
